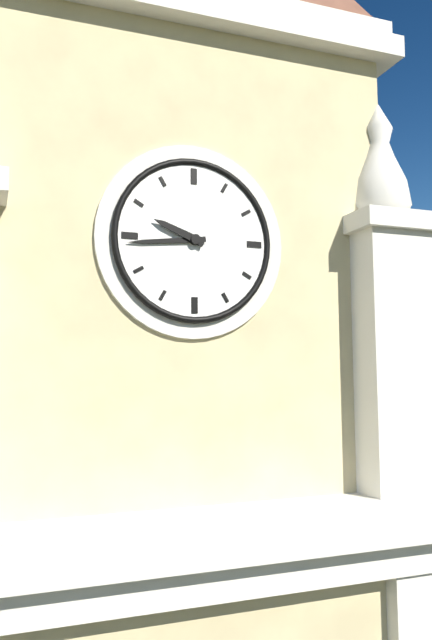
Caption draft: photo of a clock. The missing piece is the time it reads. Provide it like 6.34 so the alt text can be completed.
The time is 9.44
